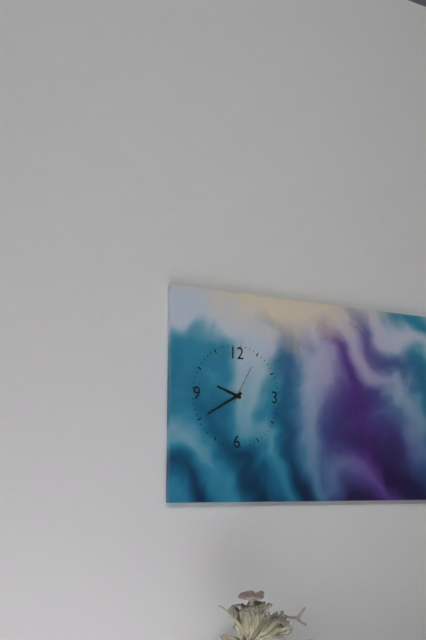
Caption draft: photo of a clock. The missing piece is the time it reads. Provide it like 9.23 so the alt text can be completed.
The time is 9.40
